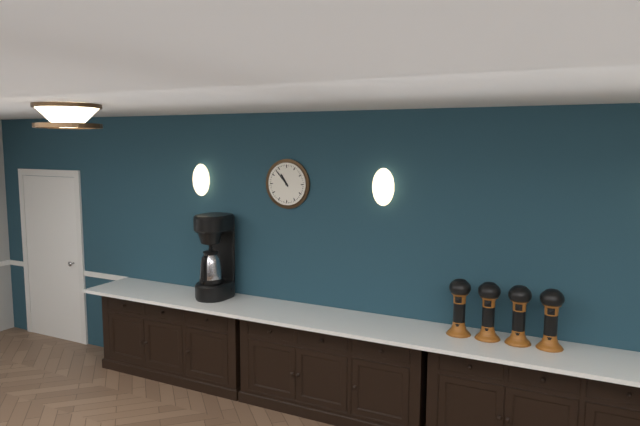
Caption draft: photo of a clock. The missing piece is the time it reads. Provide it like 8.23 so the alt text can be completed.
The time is 10.53
